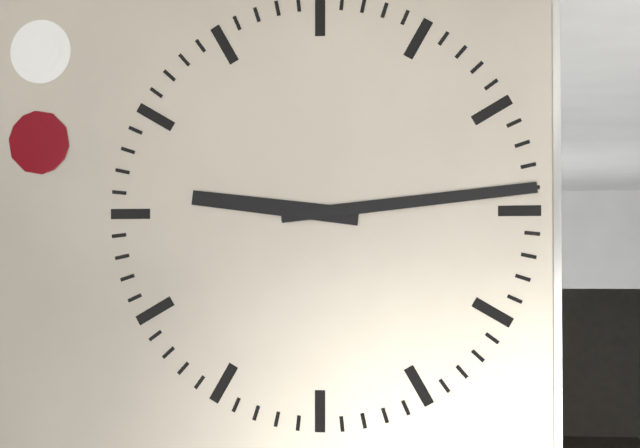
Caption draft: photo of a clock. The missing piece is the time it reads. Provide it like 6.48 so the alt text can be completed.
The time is 9.14
